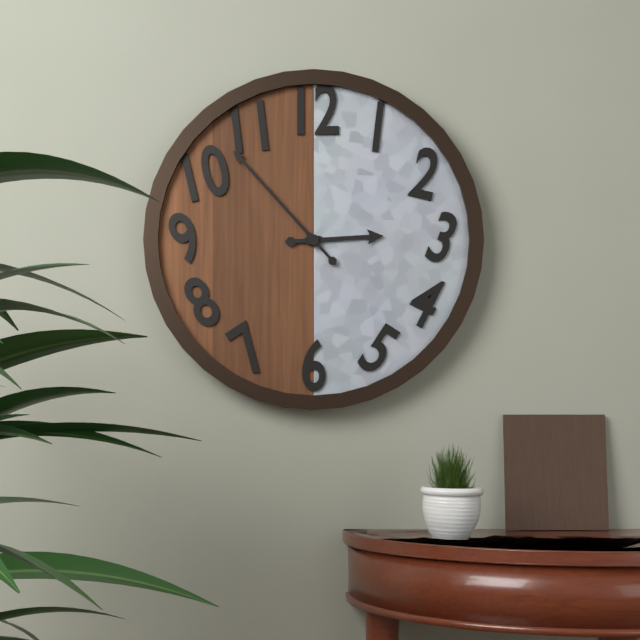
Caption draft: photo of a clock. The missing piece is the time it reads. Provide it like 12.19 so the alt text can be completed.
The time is 2.53
